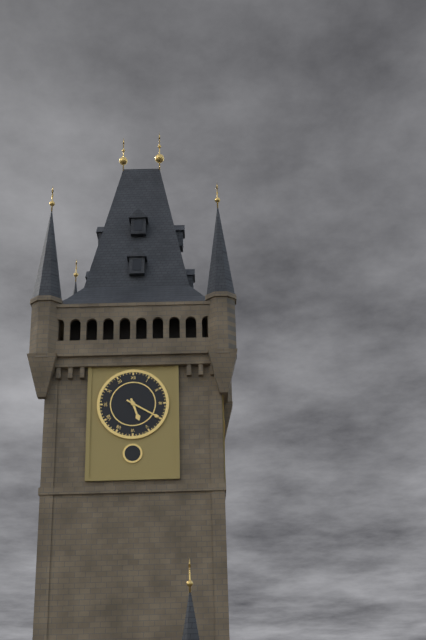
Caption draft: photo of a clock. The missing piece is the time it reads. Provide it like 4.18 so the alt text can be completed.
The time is 5.20
